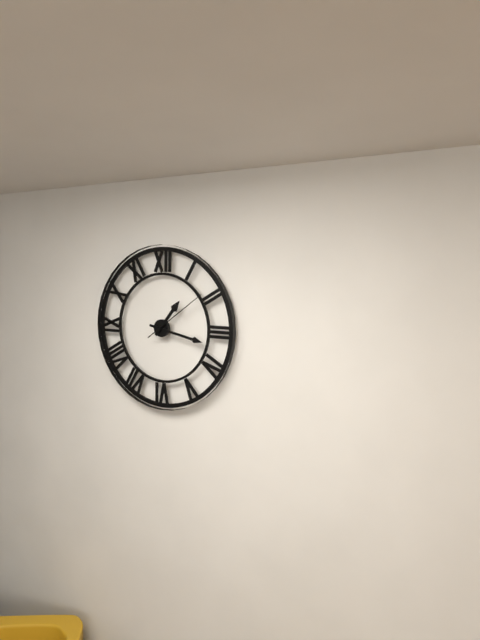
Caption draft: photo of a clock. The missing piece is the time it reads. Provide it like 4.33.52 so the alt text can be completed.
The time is 1.17.09
